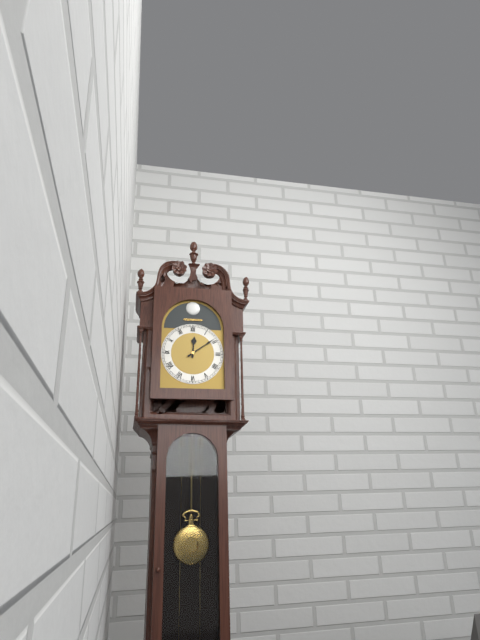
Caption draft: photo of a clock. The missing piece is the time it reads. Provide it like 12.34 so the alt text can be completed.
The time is 12.09
